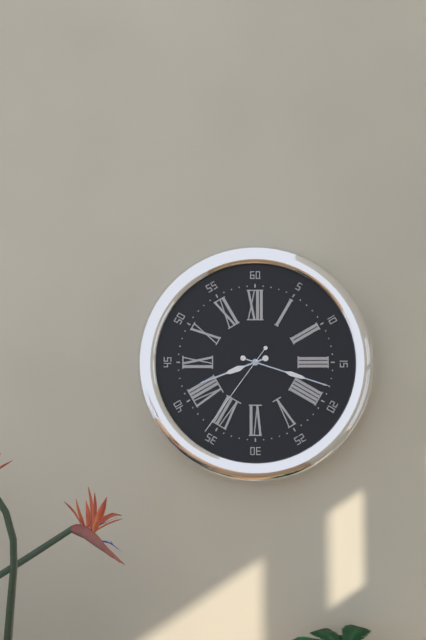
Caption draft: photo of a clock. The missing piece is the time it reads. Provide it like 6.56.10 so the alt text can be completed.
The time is 8.18.36
